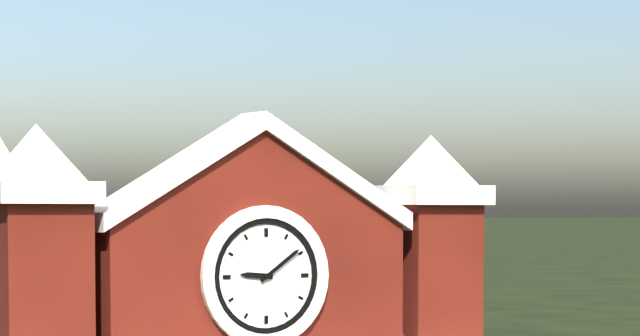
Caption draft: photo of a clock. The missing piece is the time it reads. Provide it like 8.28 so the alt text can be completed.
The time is 9.09
